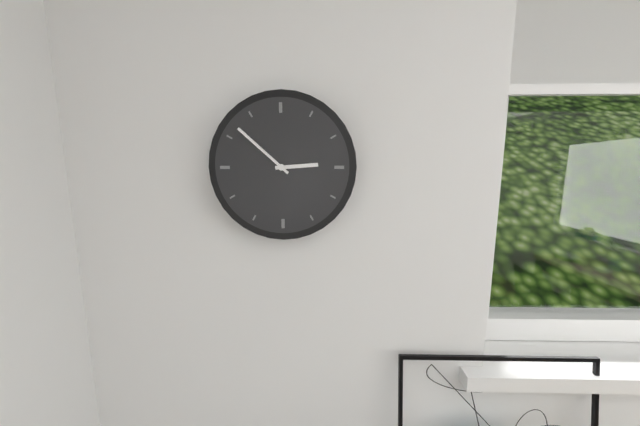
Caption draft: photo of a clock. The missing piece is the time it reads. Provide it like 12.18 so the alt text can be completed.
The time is 2.52
